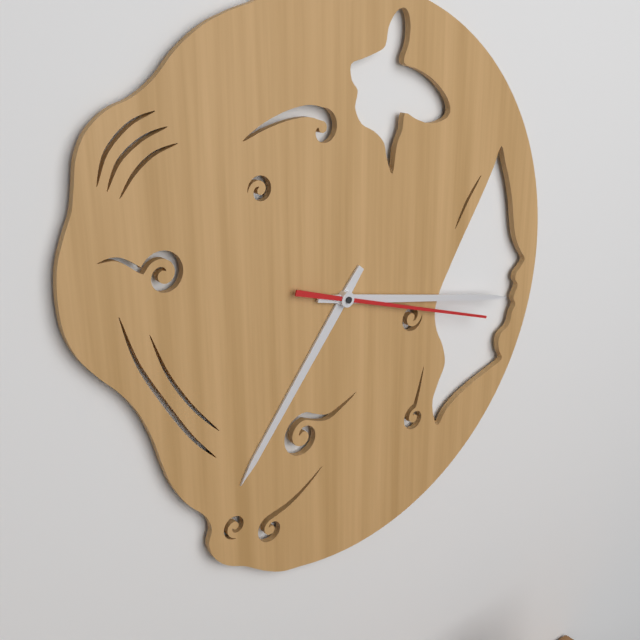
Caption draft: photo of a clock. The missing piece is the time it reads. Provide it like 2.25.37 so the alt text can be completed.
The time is 7.17.18
